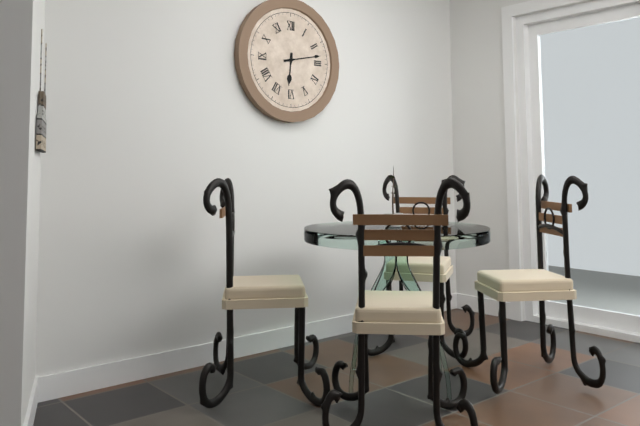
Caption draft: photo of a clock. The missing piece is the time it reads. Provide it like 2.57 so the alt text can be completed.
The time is 6.13
